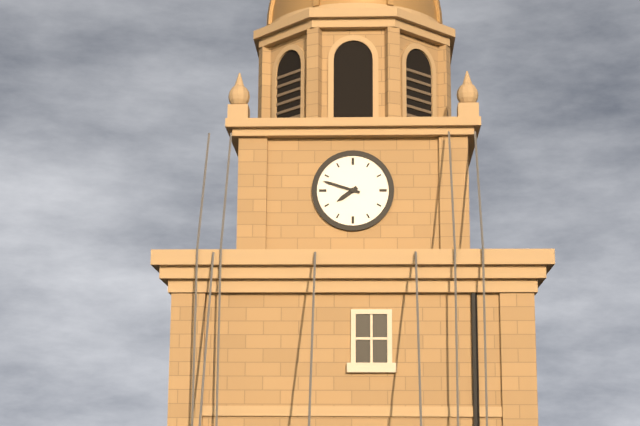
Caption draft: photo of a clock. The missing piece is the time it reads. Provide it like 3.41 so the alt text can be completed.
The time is 7.48
